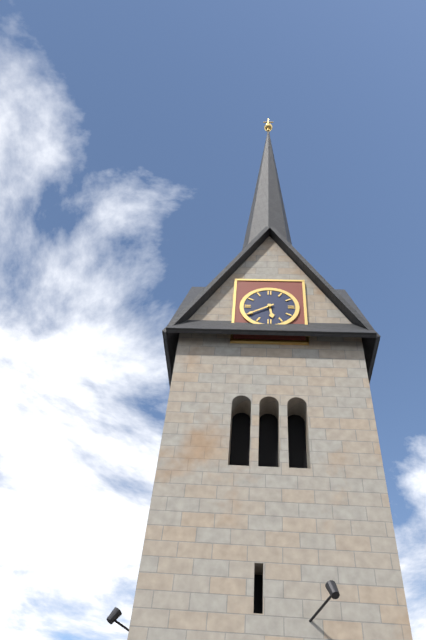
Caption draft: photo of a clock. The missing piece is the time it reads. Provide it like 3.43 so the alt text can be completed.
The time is 5.40
